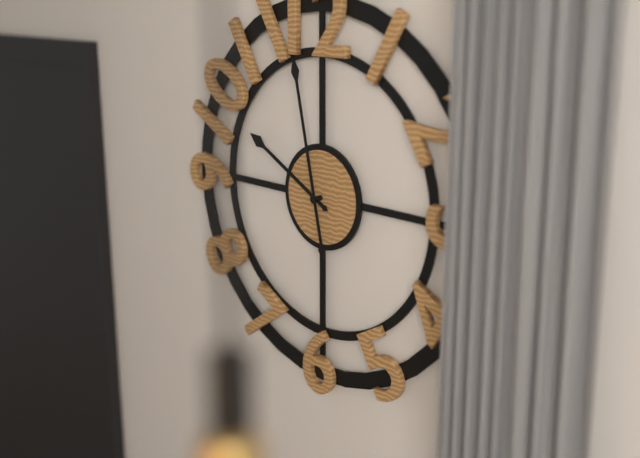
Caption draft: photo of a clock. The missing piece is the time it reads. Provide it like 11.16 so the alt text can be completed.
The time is 9.58
